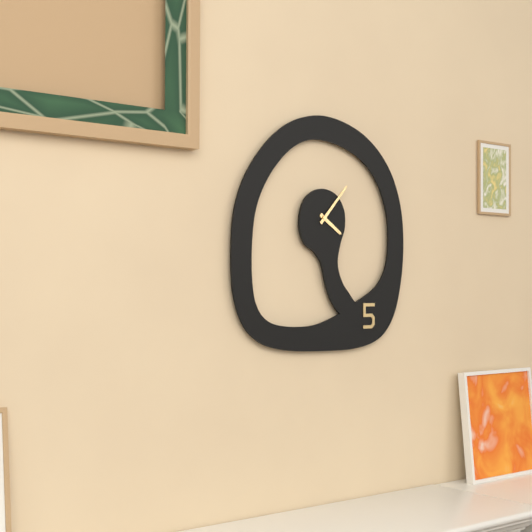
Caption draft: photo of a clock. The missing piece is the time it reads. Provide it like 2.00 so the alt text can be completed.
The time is 4.07
